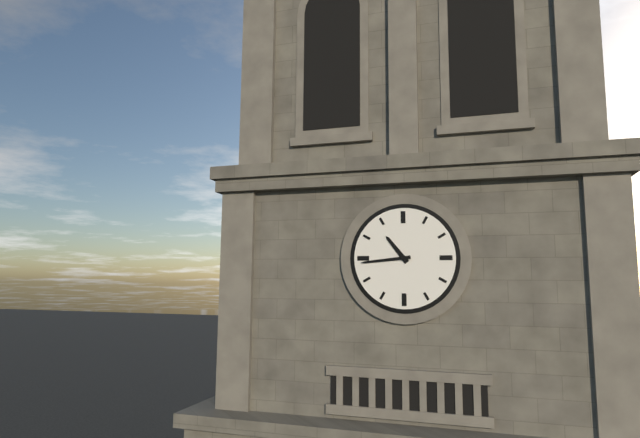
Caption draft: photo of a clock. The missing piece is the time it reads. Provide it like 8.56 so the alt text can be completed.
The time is 10.44
